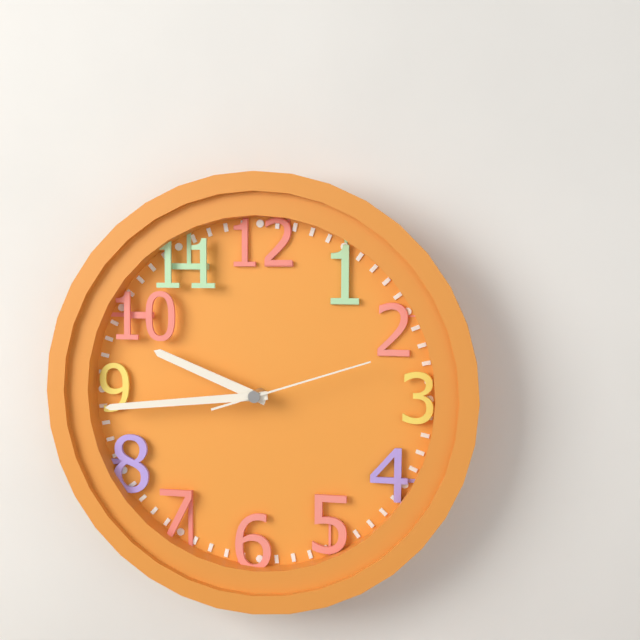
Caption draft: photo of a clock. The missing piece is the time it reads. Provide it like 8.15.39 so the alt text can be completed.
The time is 9.44.12
